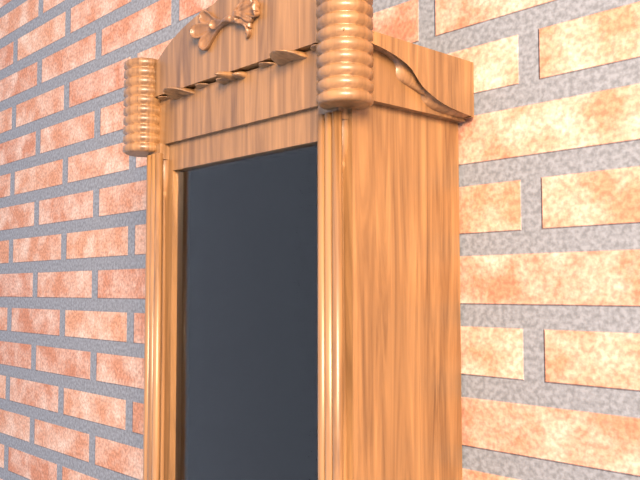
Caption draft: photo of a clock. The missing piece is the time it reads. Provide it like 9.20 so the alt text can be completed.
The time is 1.20
